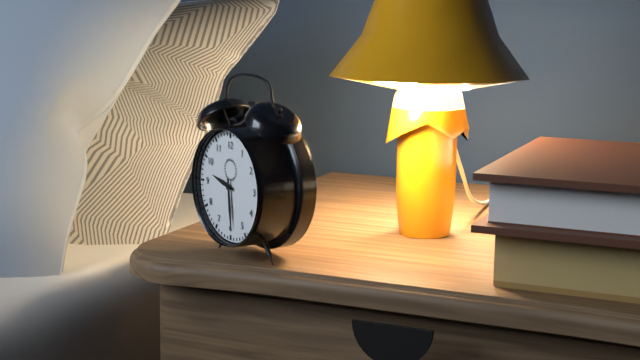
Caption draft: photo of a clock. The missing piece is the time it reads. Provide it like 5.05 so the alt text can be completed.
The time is 9.29
